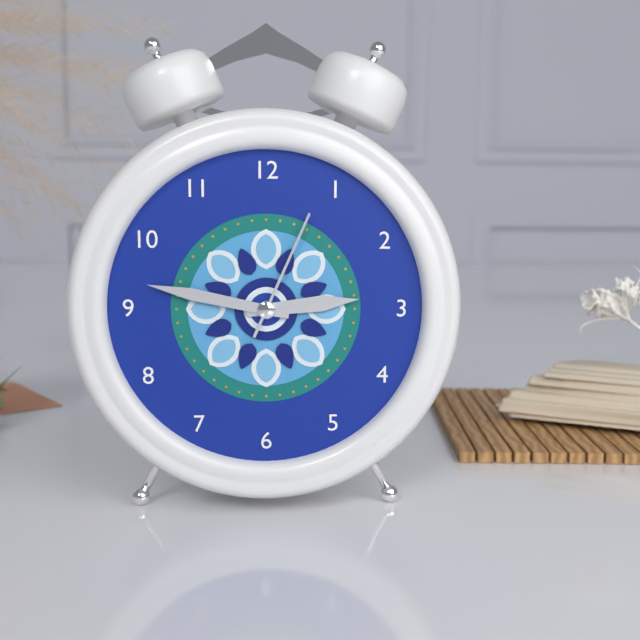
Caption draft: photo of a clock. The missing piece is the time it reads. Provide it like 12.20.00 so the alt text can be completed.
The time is 2.47.04
